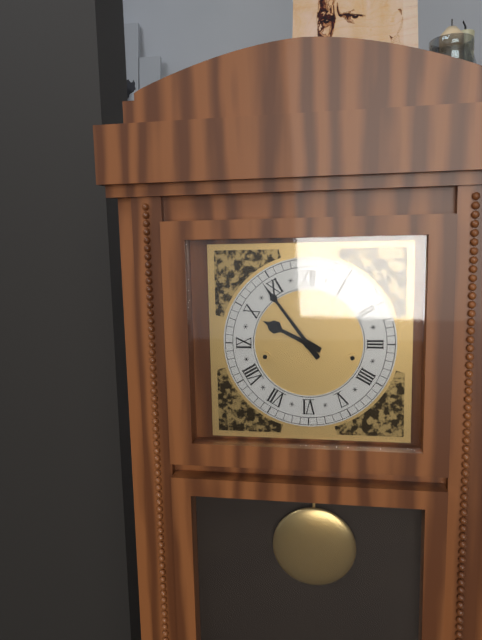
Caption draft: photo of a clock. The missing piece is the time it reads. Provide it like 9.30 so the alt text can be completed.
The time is 9.54
